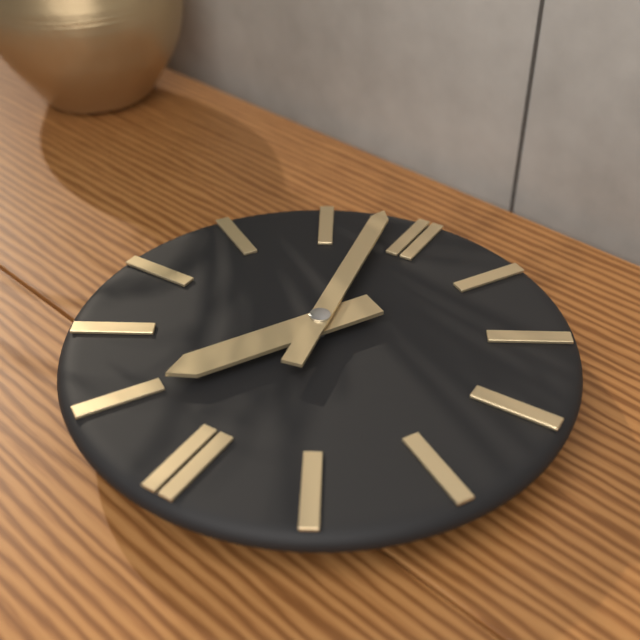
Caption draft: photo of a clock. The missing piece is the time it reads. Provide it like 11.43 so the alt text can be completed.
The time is 6.58
